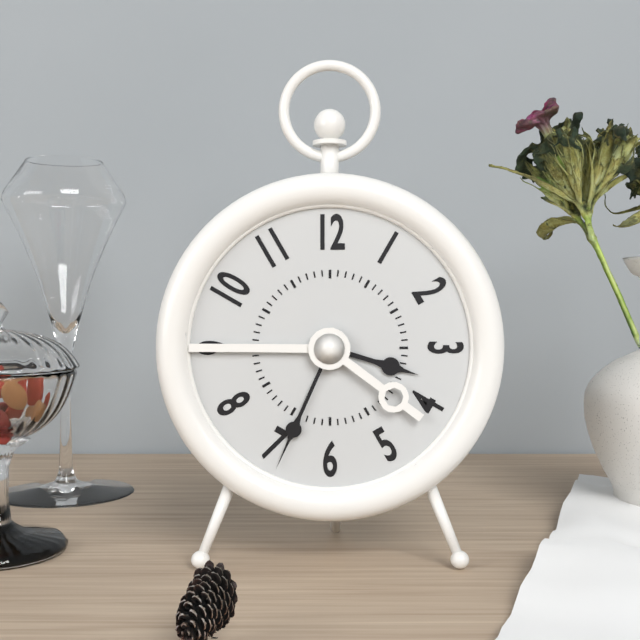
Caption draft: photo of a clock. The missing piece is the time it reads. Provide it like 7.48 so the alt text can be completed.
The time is 3.34
